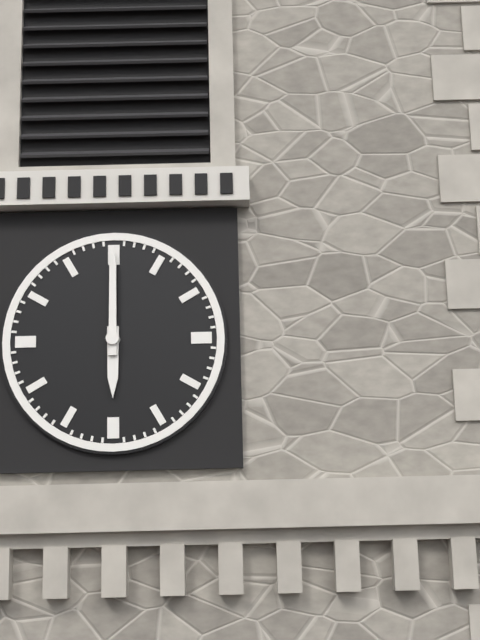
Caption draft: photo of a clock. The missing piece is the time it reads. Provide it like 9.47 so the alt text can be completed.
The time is 6.00
